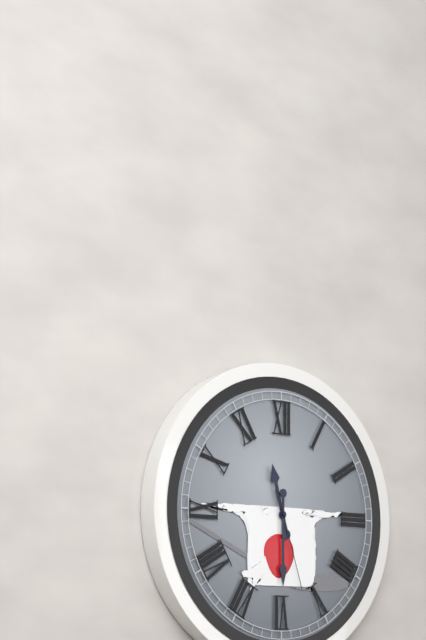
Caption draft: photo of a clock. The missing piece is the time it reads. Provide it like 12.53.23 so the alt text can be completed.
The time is 11.30.27
